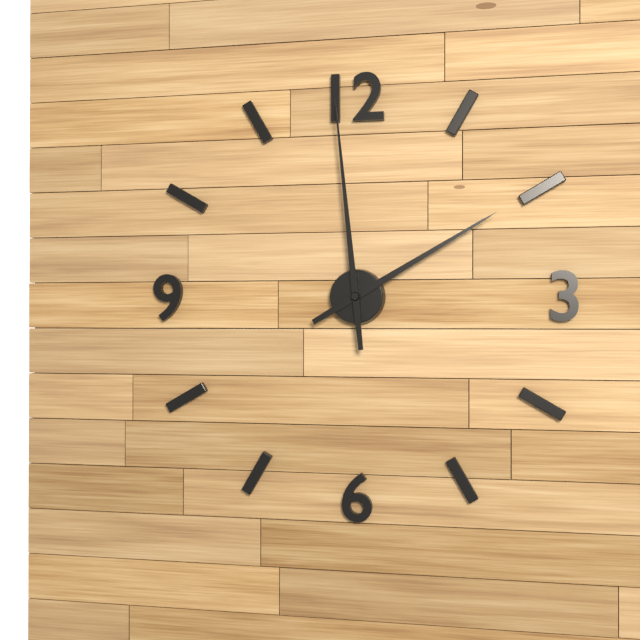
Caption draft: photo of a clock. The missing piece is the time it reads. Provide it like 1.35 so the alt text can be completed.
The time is 1.59
